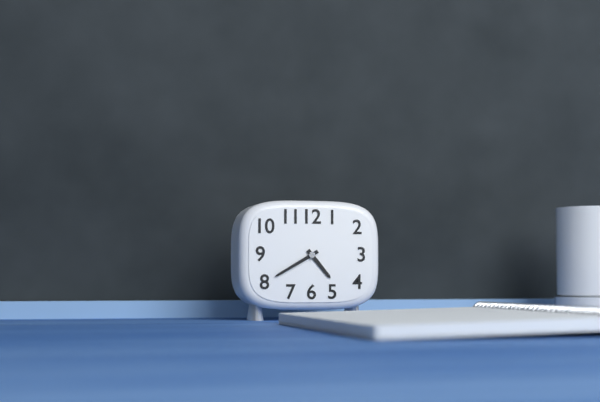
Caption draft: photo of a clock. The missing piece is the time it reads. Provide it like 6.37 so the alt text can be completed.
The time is 4.40
